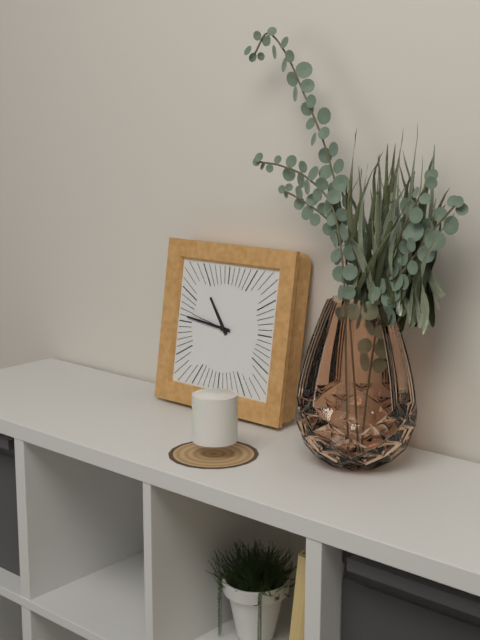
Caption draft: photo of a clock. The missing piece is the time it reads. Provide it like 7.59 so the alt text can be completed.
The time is 10.46
